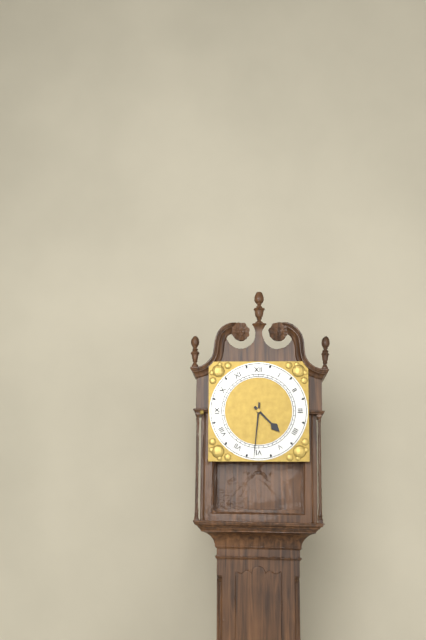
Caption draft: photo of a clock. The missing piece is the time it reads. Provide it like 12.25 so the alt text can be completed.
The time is 4.31
